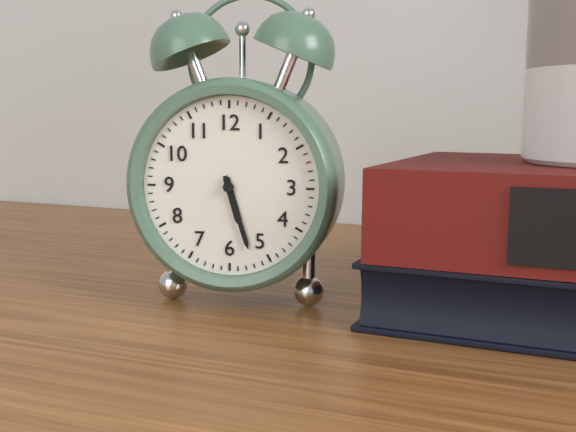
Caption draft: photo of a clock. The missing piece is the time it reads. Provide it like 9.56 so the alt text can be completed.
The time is 5.27
